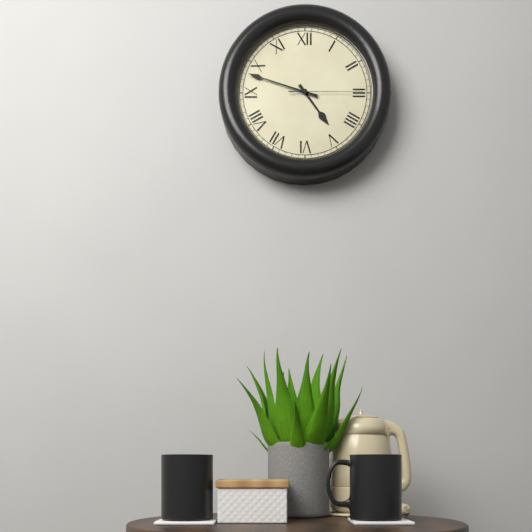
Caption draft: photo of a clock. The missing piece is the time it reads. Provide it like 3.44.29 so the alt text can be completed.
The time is 4.48.15
